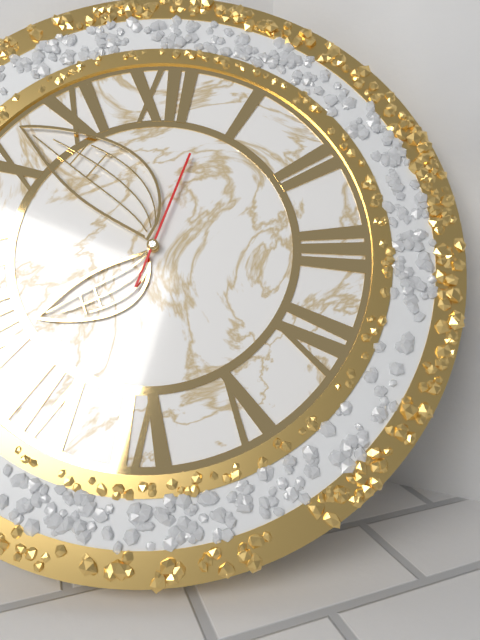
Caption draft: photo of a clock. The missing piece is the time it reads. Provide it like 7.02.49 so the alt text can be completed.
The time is 7.52.03
